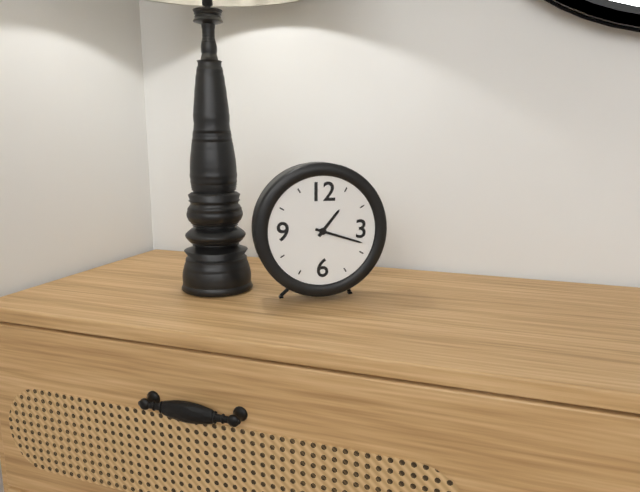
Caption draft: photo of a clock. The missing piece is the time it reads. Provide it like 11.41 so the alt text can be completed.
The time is 1.18
